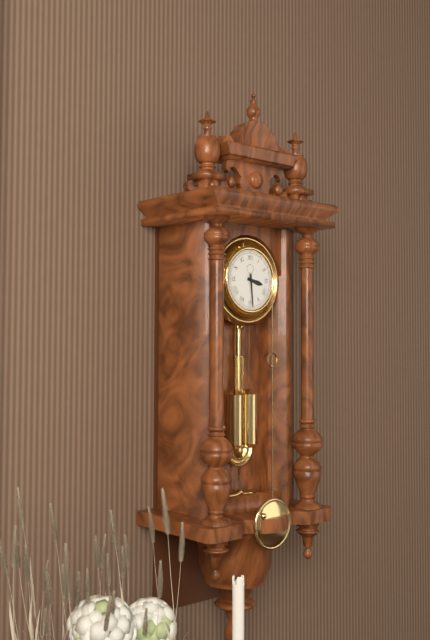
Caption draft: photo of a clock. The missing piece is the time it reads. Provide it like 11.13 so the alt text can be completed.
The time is 3.29
